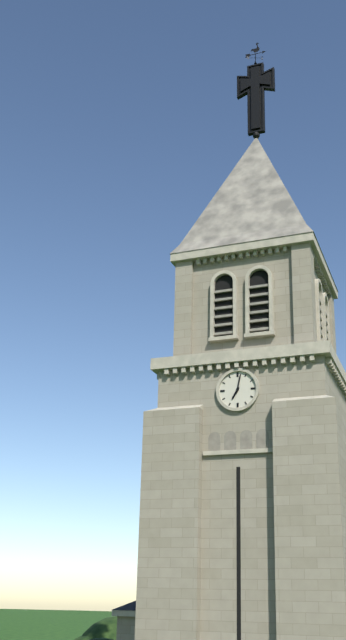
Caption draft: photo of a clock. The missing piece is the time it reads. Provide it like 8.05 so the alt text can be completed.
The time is 7.02
